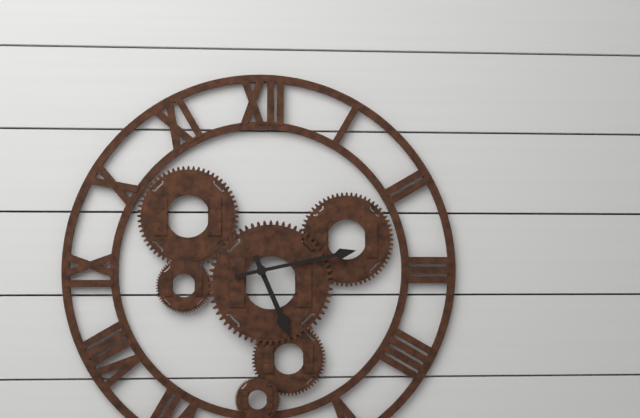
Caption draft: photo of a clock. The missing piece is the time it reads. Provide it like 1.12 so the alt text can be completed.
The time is 5.13
